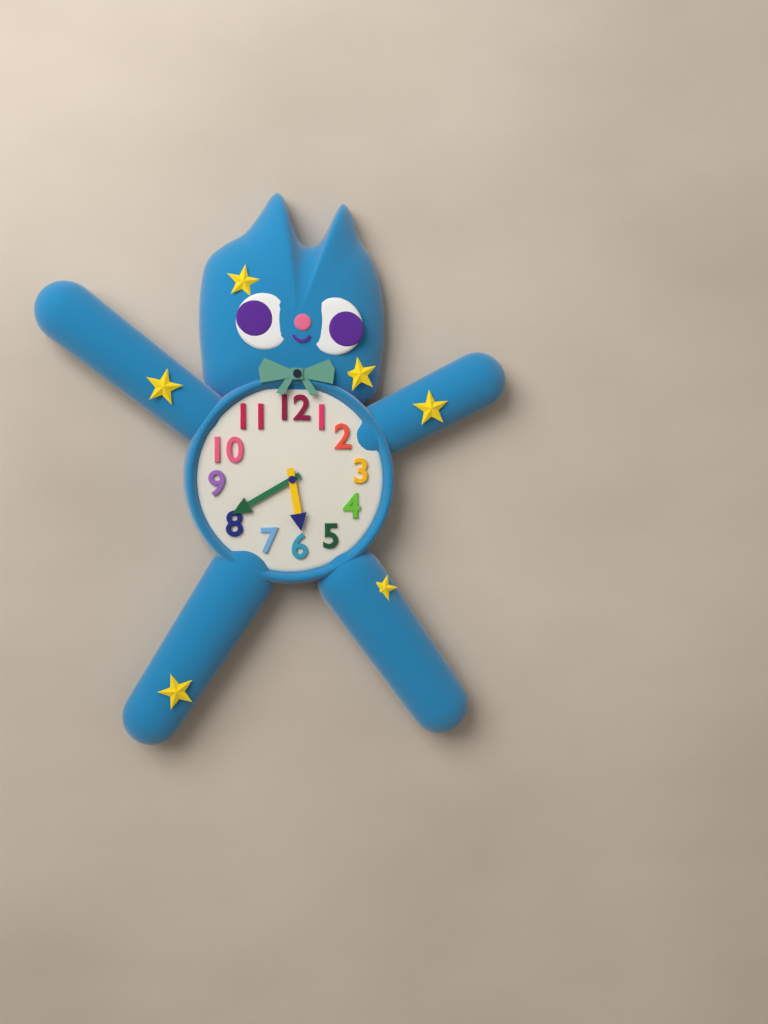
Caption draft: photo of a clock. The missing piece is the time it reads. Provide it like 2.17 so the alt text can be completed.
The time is 5.40
